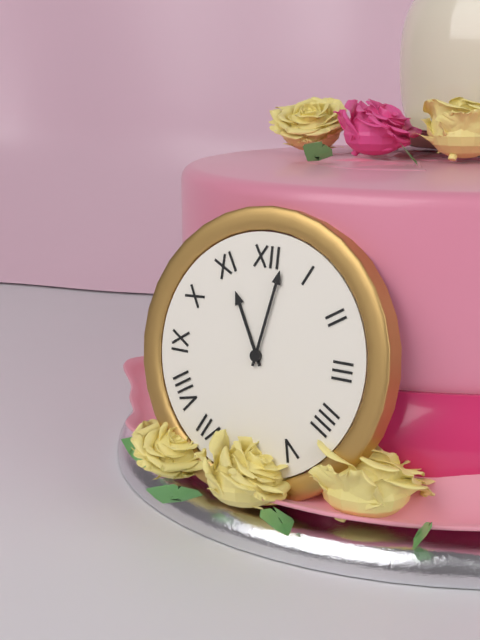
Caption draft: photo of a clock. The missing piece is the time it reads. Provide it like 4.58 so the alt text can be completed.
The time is 11.02
